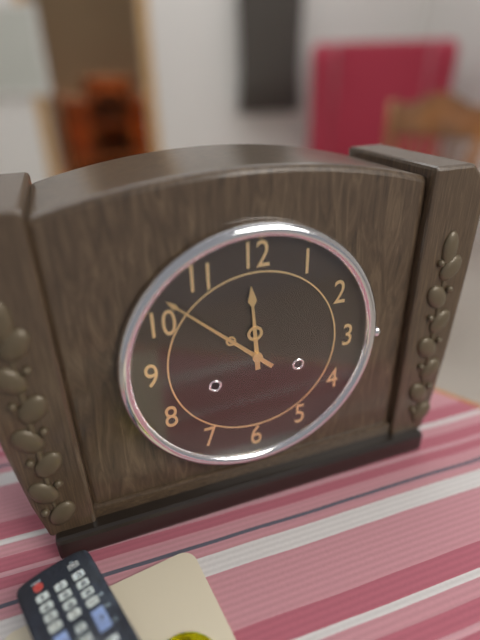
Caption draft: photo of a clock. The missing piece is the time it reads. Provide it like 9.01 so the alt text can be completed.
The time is 11.52
